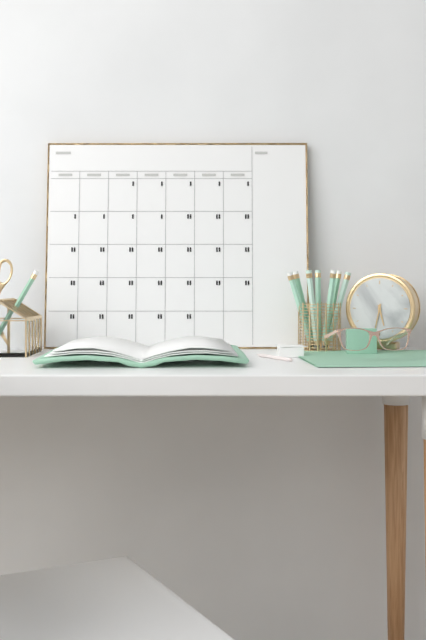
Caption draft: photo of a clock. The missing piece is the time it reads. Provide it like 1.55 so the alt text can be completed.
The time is 5.32
